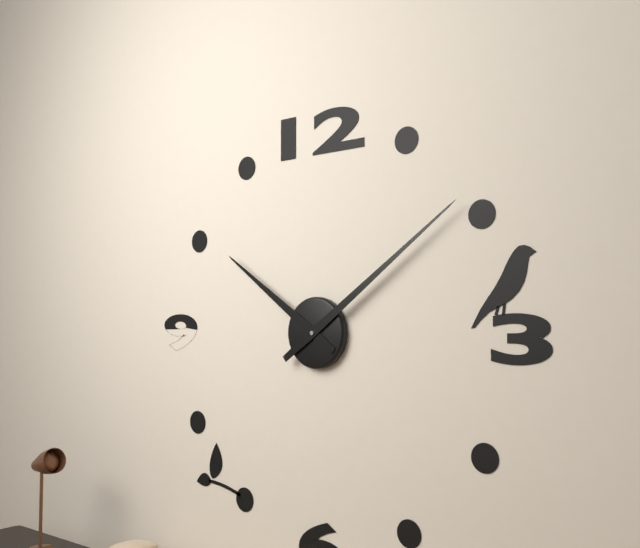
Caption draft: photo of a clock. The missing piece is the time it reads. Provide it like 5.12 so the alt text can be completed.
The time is 10.09
